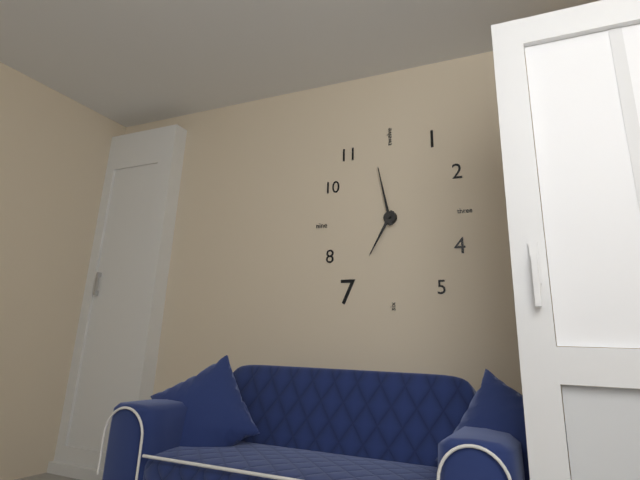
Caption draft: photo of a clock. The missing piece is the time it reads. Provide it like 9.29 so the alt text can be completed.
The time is 6.58
